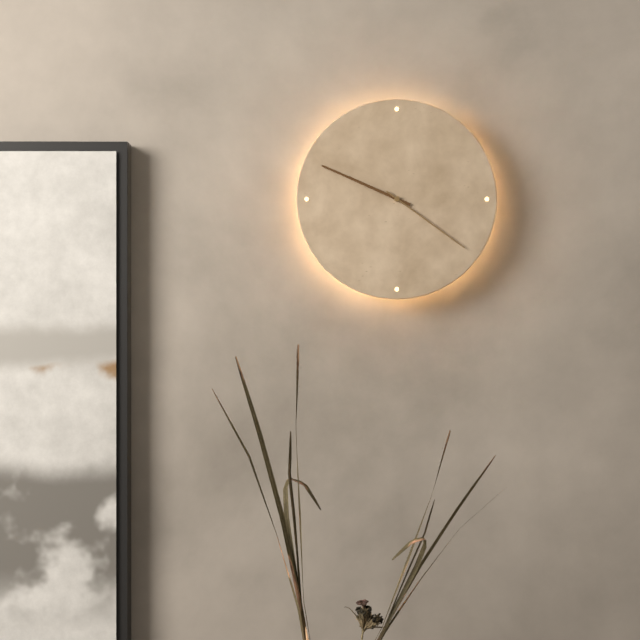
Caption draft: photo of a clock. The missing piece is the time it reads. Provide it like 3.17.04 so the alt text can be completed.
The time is 9.49.21
